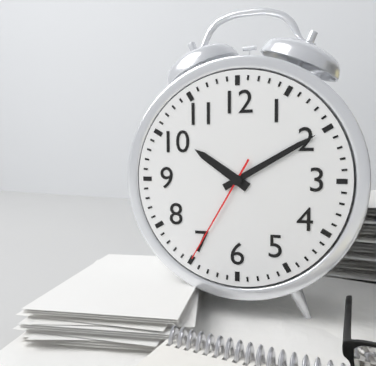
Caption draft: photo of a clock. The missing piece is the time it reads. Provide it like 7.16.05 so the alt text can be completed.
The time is 10.10.35
